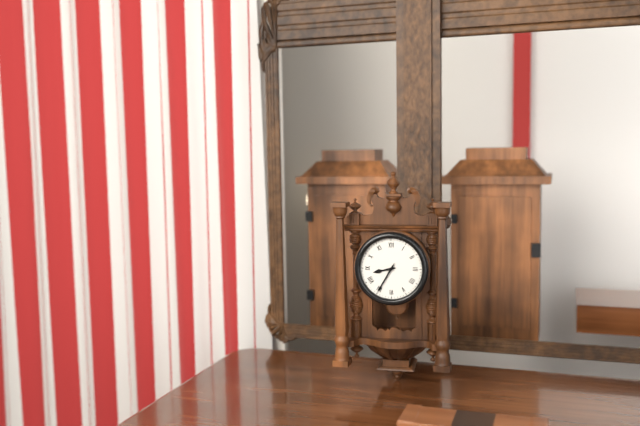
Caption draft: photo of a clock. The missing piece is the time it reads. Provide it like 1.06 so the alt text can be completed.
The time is 8.35
